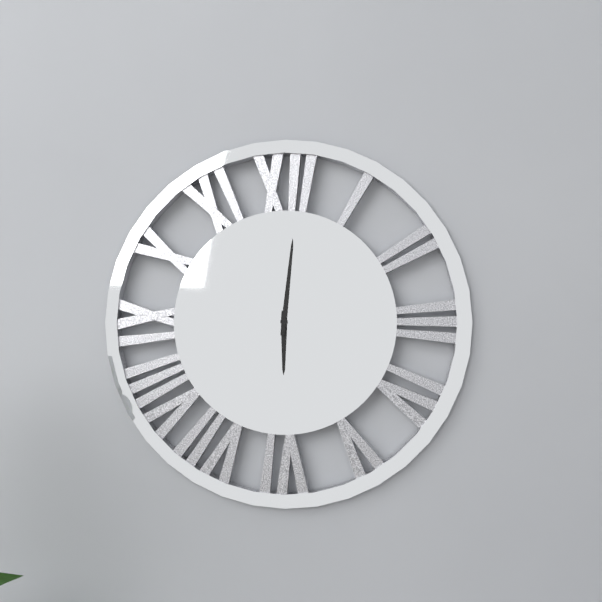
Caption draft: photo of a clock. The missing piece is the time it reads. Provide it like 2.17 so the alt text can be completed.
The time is 6.01
